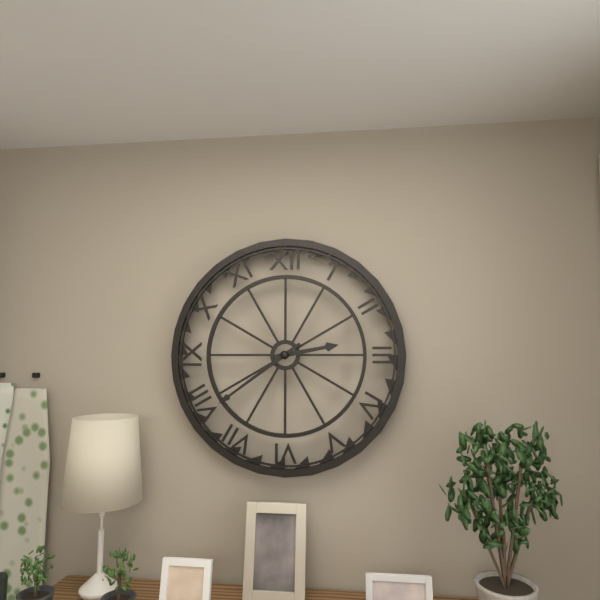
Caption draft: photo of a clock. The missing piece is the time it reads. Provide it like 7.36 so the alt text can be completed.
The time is 2.39
